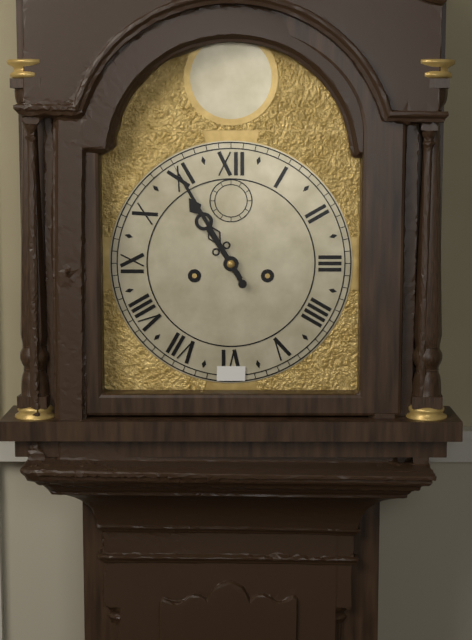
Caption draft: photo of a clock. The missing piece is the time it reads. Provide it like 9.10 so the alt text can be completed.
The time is 10.55
